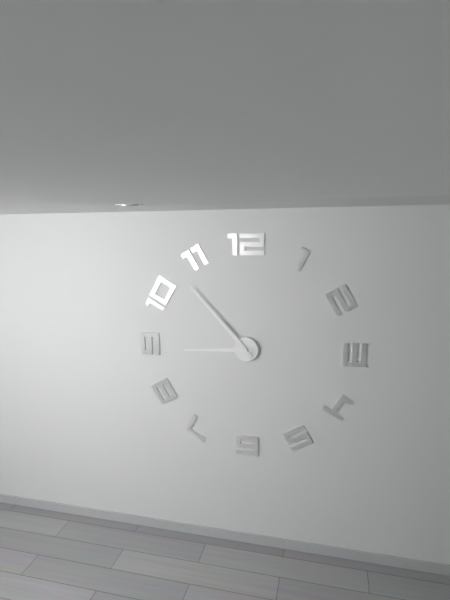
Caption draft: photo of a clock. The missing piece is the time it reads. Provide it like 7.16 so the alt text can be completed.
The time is 8.53
